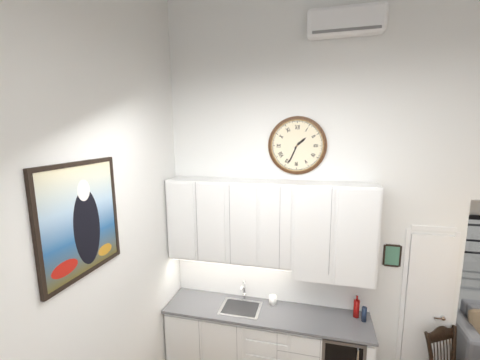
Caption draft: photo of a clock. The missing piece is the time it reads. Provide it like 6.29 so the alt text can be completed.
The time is 1.34
